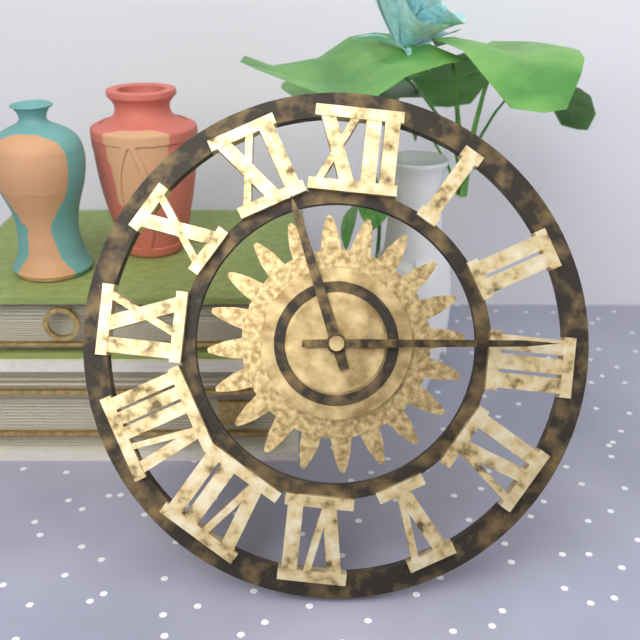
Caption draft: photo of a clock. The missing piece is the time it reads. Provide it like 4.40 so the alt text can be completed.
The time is 11.14
